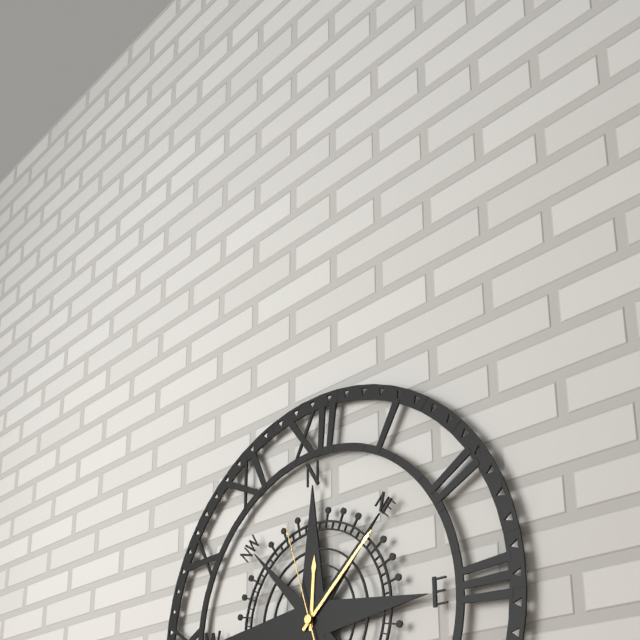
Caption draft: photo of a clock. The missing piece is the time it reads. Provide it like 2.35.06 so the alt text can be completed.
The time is 12.08.57
